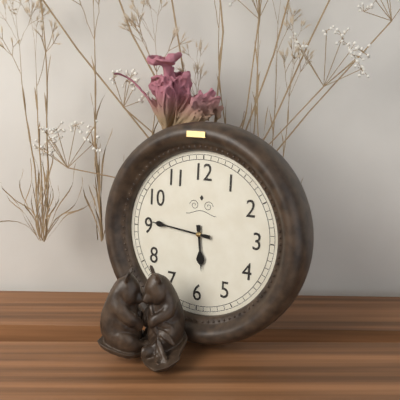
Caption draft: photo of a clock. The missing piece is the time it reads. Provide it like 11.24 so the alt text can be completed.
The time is 5.46
